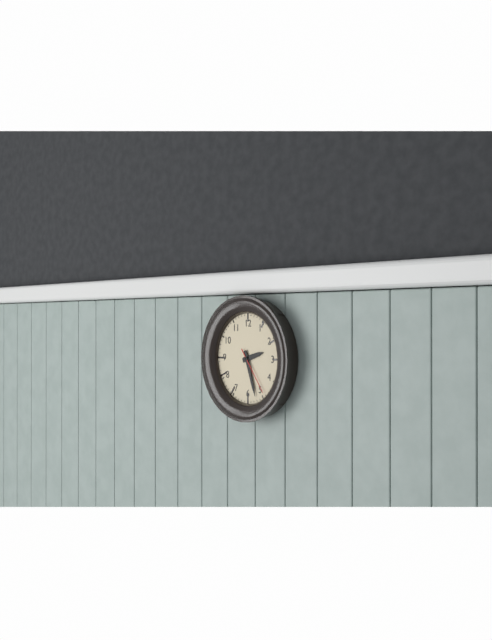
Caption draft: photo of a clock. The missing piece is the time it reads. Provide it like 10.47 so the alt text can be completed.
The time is 2.27
